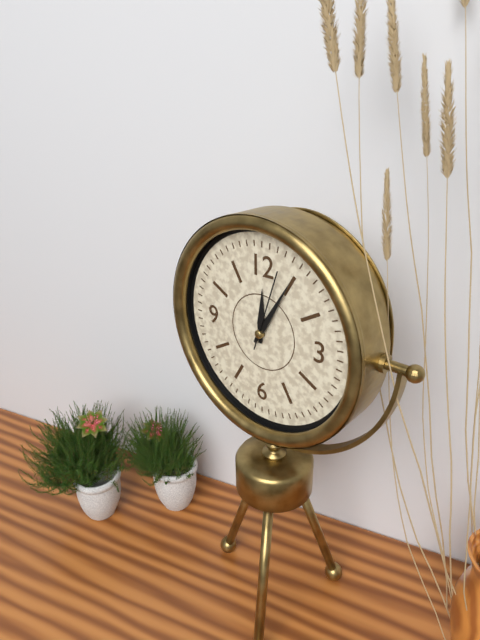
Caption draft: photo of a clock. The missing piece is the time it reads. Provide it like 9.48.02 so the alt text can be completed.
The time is 12.05.03
